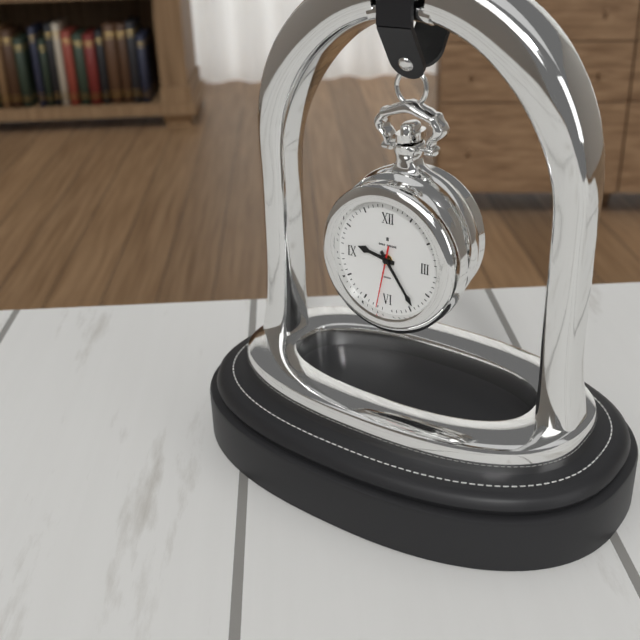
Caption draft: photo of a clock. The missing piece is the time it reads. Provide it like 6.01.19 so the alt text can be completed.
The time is 9.24.32
